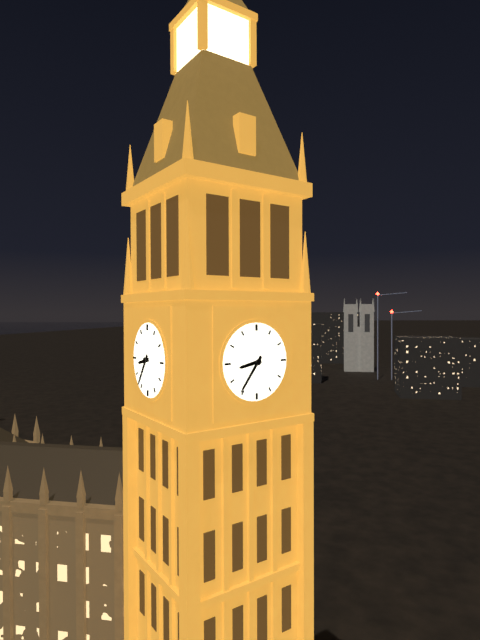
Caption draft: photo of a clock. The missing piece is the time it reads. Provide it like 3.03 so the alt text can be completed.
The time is 8.36
